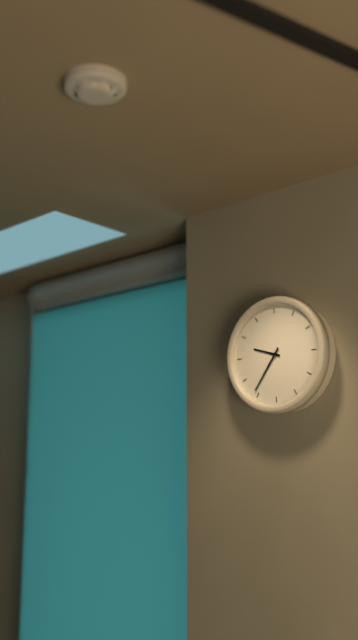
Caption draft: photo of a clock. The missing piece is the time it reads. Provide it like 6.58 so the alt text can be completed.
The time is 9.36
